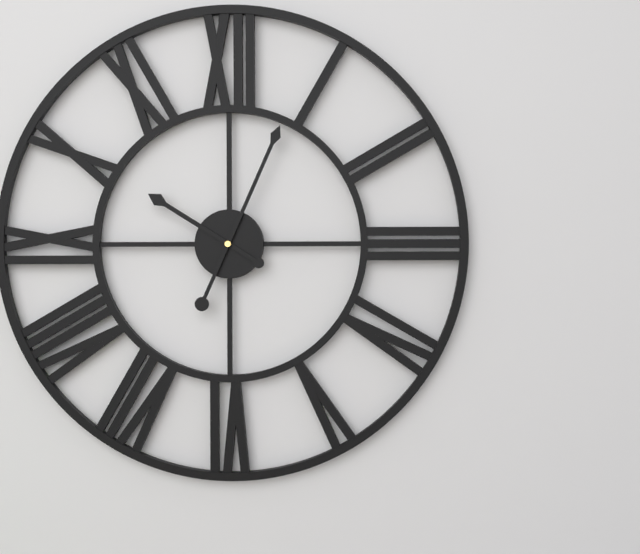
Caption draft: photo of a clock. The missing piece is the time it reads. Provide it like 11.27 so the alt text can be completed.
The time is 10.04
